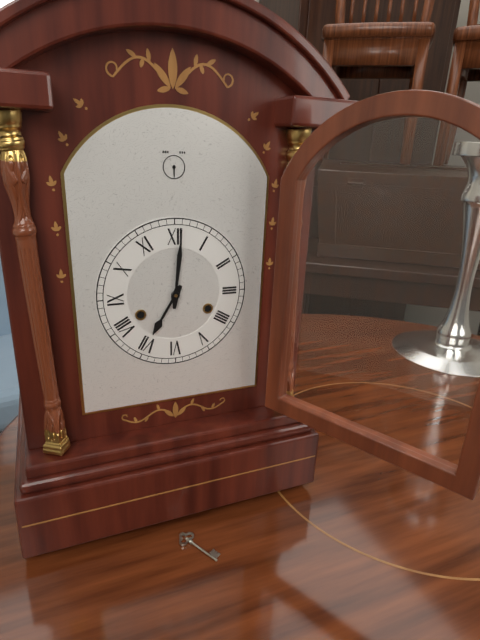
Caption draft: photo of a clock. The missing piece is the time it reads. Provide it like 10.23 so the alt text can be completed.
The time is 7.01
